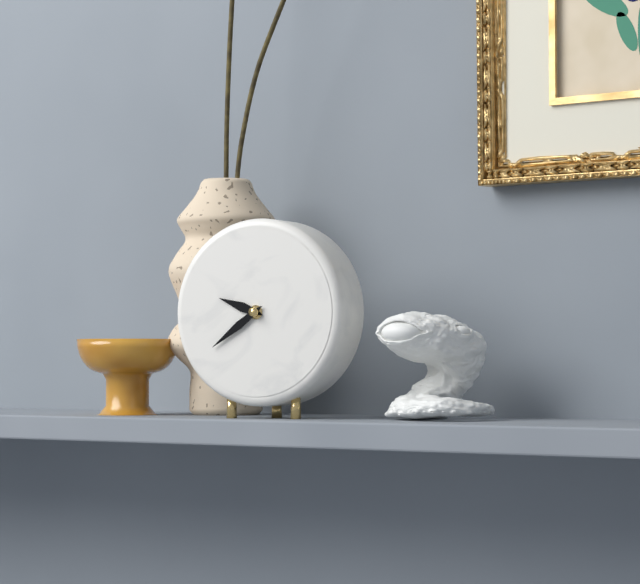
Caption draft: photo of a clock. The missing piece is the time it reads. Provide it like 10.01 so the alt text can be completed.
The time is 9.39
